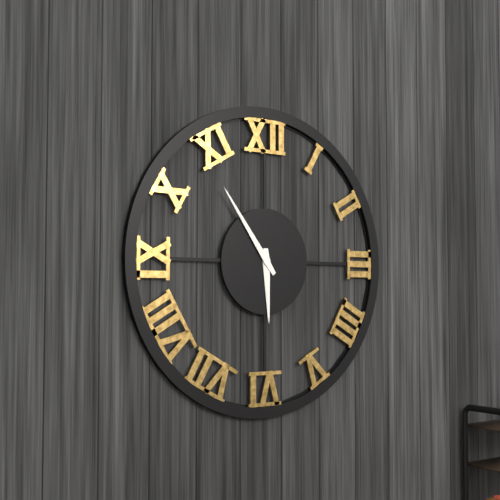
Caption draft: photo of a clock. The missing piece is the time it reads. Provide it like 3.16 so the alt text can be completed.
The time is 5.54
